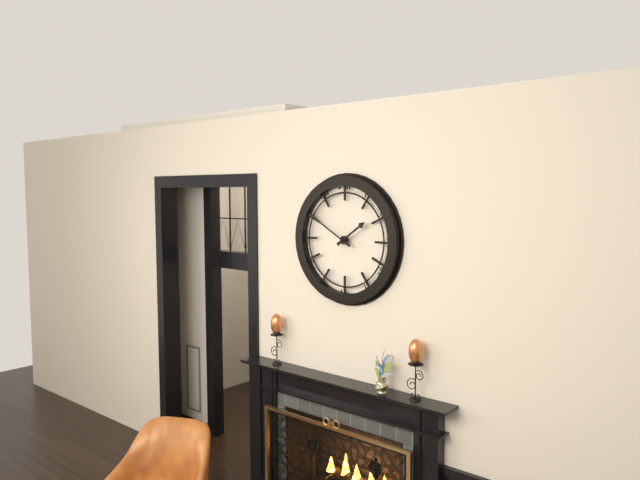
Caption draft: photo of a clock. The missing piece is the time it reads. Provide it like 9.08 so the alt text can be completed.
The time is 1.50
